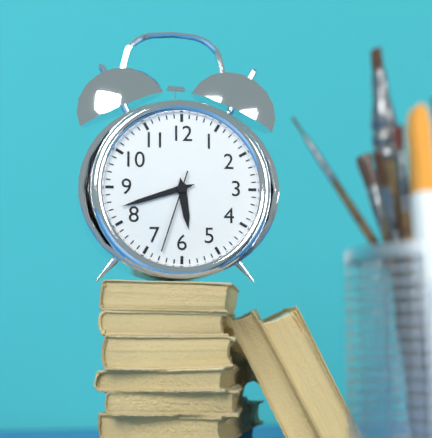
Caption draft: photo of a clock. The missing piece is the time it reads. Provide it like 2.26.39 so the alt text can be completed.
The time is 5.42.33
